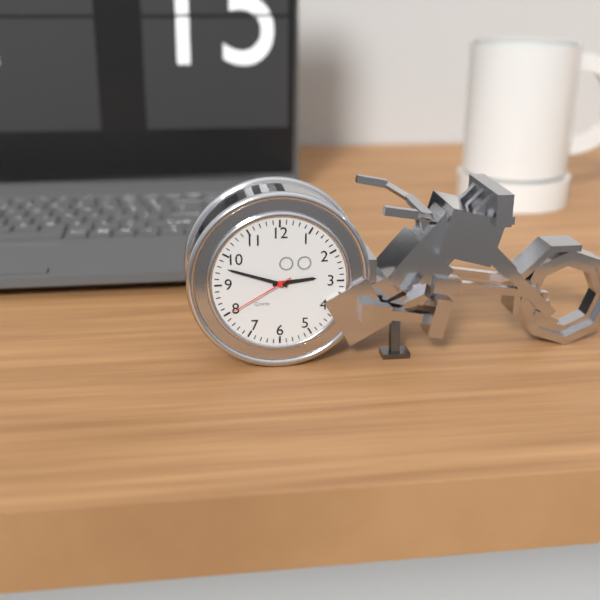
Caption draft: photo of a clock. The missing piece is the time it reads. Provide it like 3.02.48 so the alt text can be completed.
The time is 2.48.40
